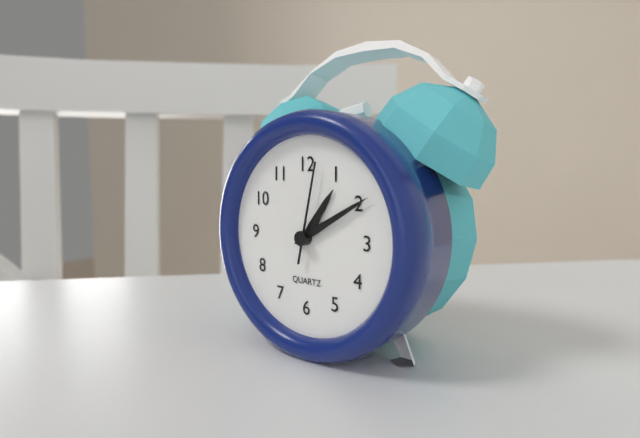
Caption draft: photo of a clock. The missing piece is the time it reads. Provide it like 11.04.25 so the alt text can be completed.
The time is 1.10.02
